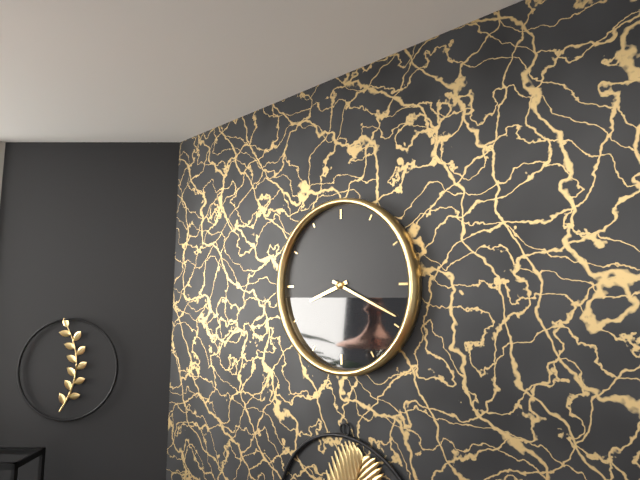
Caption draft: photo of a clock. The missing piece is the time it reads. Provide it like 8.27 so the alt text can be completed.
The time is 8.19
